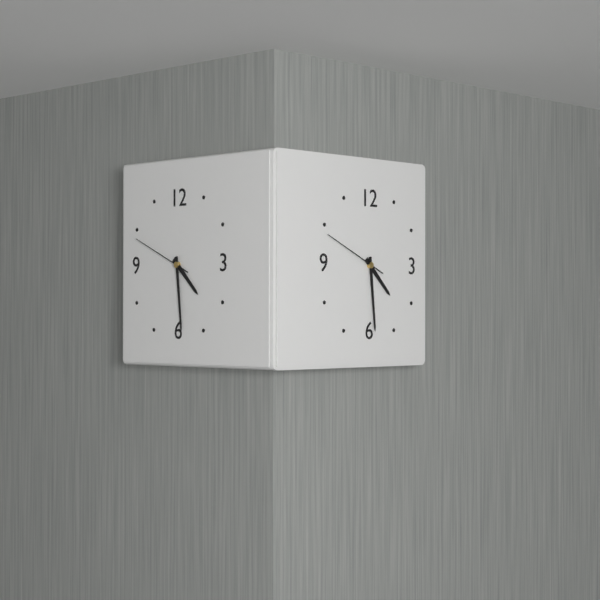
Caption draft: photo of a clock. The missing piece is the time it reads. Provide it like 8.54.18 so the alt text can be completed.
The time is 4.29.49
